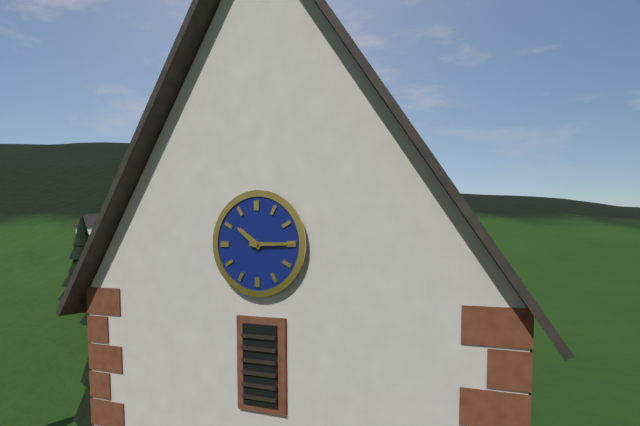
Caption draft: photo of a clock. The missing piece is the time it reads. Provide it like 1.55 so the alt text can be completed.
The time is 10.15
